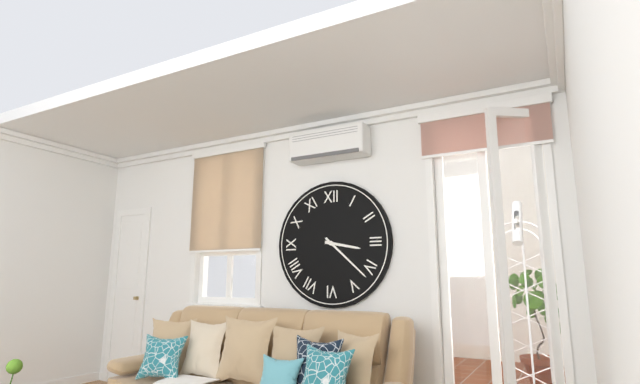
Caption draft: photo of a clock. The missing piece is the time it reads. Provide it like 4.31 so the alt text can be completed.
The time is 3.22
